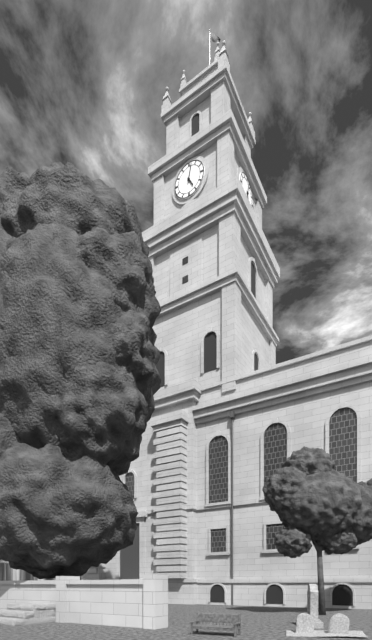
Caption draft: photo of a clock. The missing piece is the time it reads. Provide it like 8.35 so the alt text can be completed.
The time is 5.02
